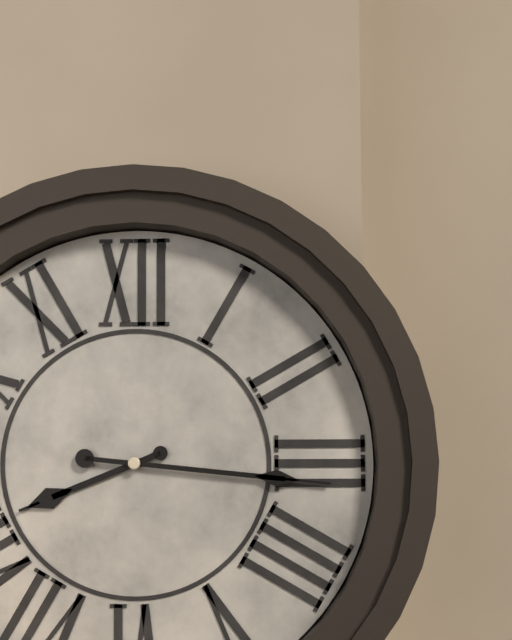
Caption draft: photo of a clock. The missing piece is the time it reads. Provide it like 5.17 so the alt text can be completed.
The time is 8.16
